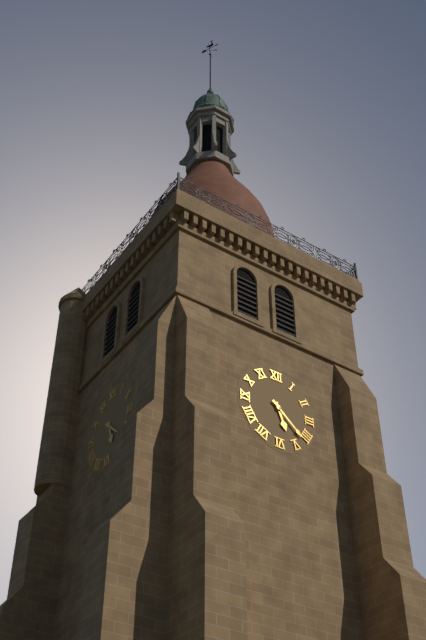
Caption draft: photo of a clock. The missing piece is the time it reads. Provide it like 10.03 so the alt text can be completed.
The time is 5.22
